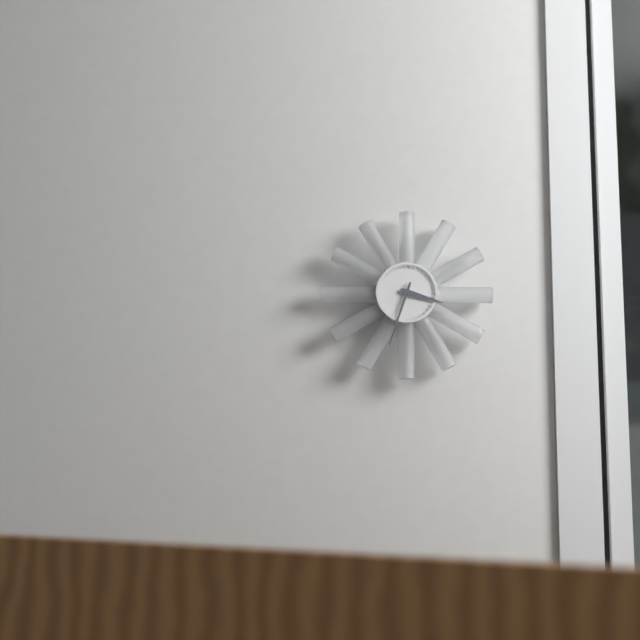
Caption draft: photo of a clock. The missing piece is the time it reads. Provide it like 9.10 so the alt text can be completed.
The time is 3.33
